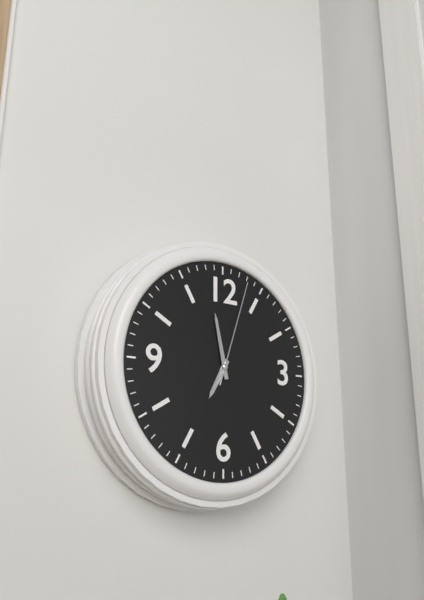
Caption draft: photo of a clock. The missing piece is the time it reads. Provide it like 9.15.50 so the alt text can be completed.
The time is 6.58.03
